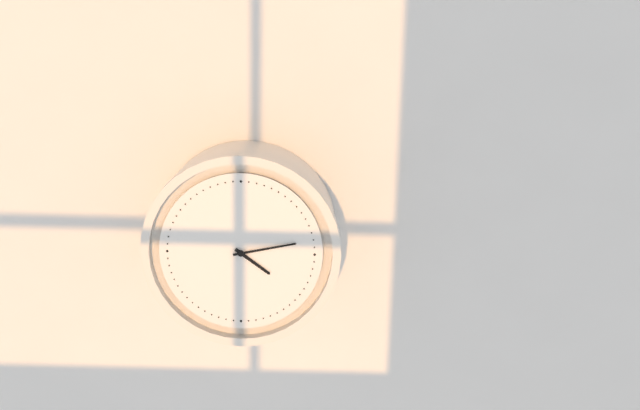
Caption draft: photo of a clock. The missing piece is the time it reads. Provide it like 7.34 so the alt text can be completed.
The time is 4.13
